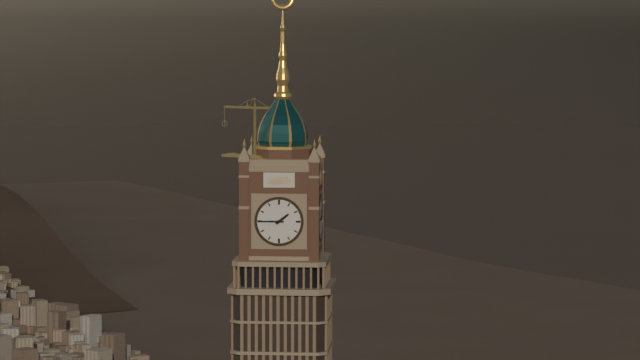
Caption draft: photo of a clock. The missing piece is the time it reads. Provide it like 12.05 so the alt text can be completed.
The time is 1.45
